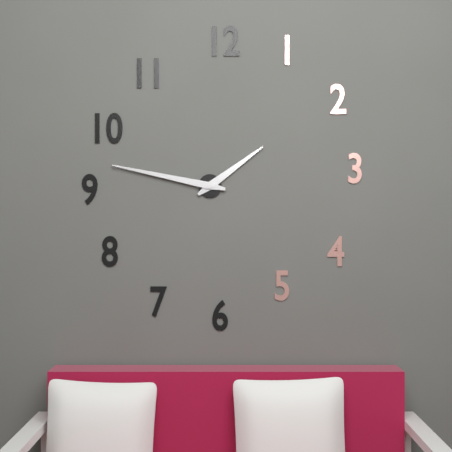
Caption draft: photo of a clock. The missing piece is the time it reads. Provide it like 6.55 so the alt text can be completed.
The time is 1.47
